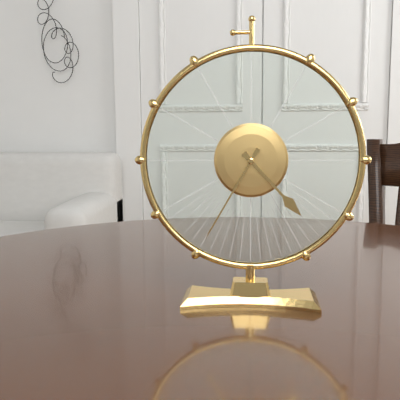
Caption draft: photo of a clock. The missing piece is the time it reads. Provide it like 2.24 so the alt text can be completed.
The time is 4.35
